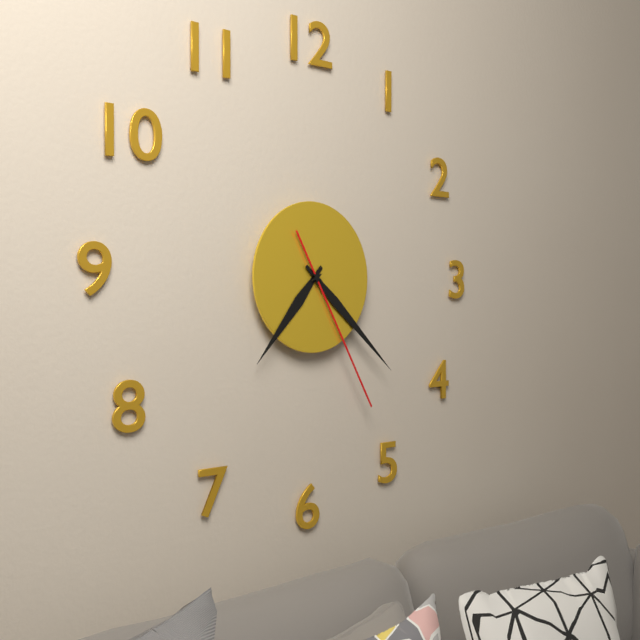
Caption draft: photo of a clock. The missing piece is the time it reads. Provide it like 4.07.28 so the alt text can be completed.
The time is 7.22.25
